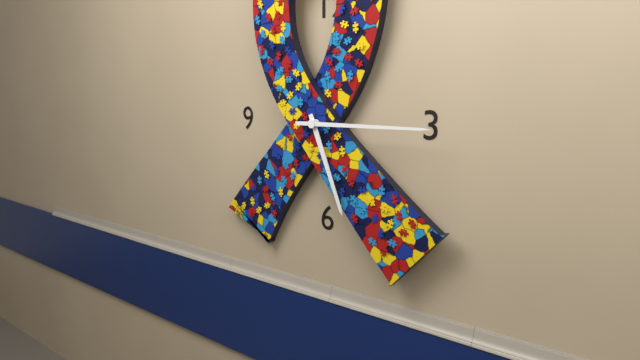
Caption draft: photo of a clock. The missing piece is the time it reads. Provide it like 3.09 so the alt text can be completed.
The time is 5.15
